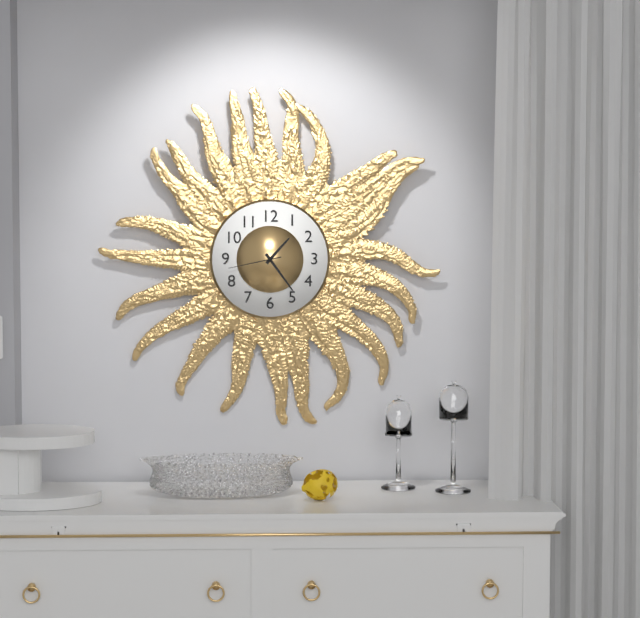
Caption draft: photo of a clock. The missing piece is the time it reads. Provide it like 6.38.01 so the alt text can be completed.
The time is 1.24.43
